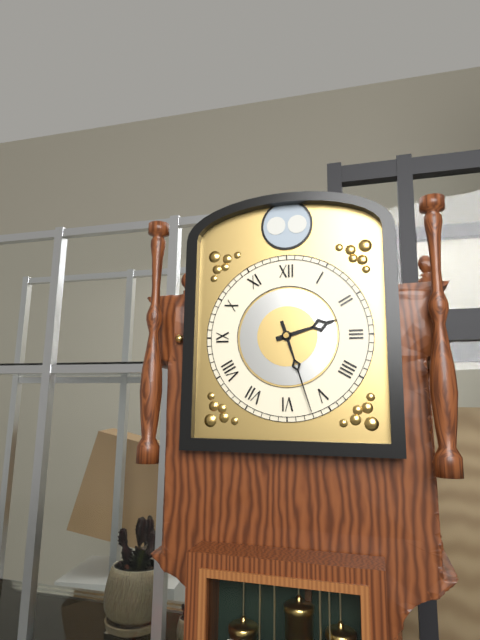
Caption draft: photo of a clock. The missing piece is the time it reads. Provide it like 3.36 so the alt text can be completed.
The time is 2.27
